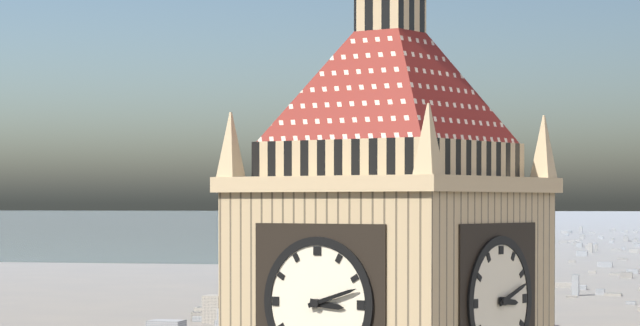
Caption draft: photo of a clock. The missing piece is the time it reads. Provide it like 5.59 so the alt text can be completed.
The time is 3.12
